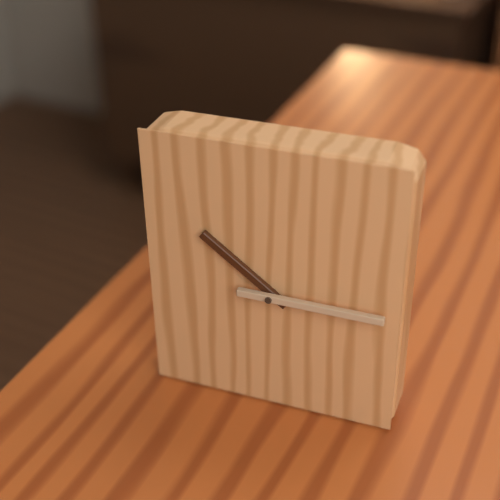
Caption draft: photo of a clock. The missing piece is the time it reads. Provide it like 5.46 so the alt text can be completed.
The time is 10.15
